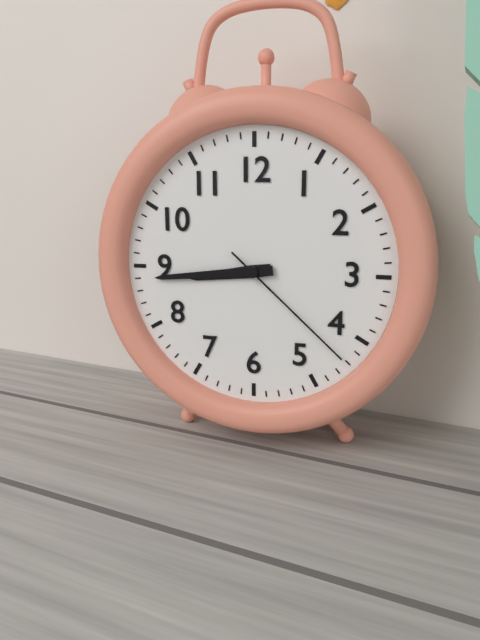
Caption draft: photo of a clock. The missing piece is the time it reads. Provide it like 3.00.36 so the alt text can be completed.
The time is 8.44.22
